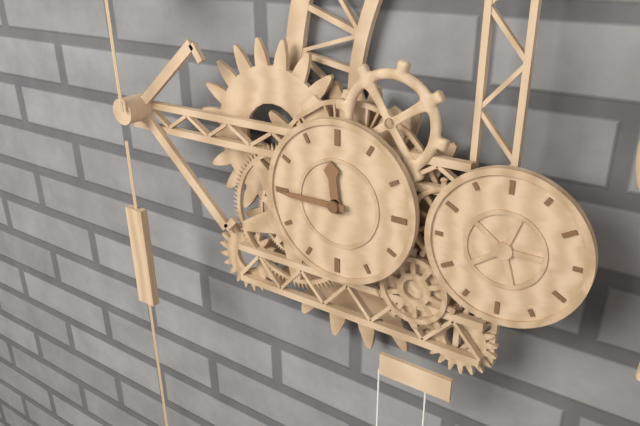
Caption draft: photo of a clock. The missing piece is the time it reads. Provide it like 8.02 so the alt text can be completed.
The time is 11.45
